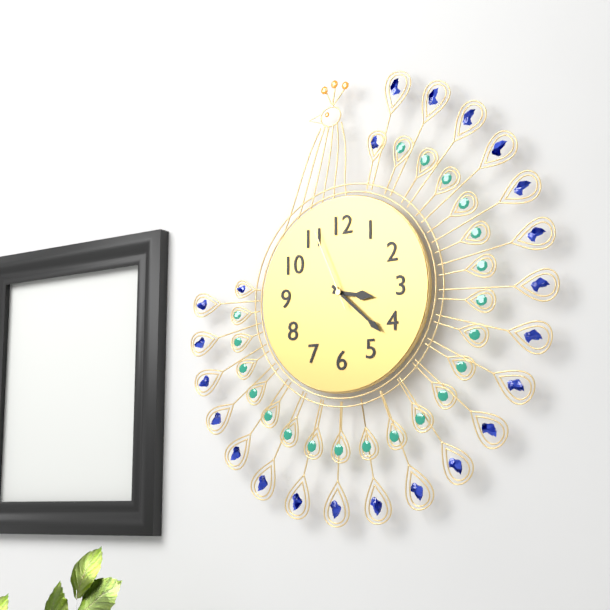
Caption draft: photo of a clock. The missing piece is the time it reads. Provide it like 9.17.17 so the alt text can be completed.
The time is 3.22.56
